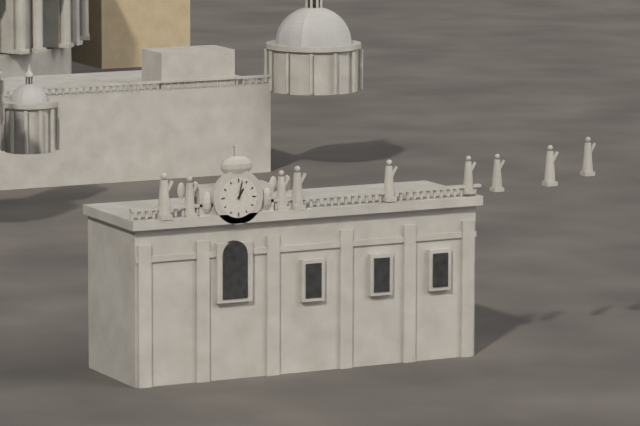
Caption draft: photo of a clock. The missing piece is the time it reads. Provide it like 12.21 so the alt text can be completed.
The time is 1.02
